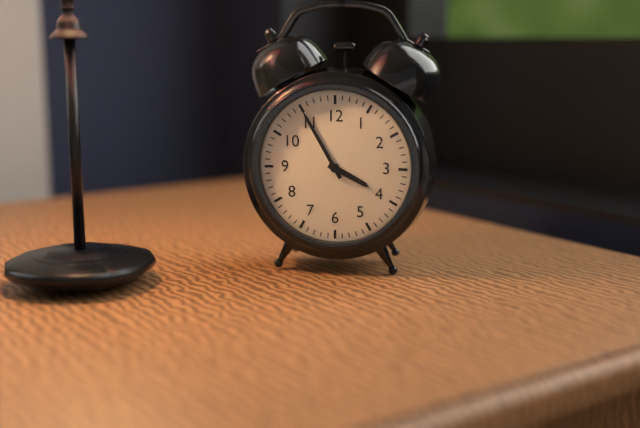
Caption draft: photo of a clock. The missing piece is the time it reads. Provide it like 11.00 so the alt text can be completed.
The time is 3.55
